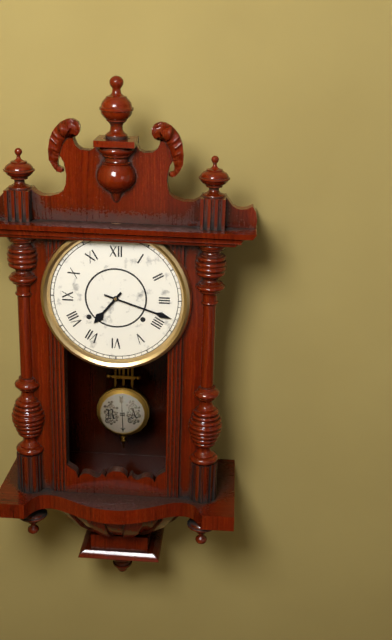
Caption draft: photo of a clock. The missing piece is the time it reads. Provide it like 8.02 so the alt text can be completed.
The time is 7.18
